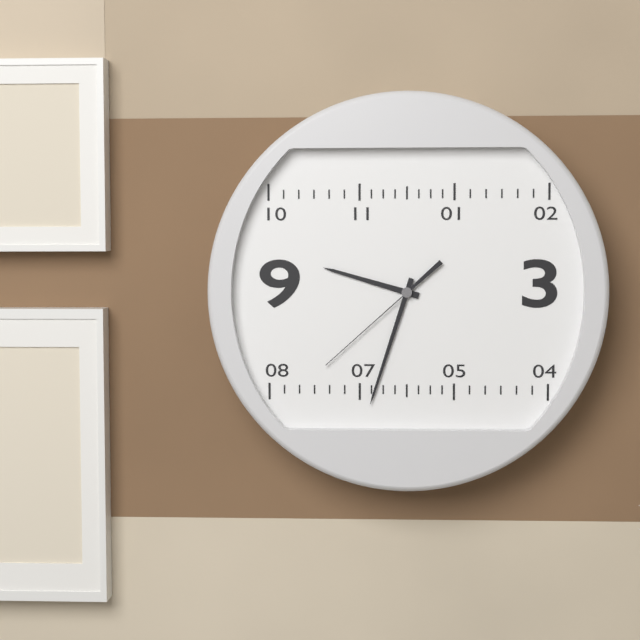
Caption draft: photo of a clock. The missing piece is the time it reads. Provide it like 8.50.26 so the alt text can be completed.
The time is 9.33.38
